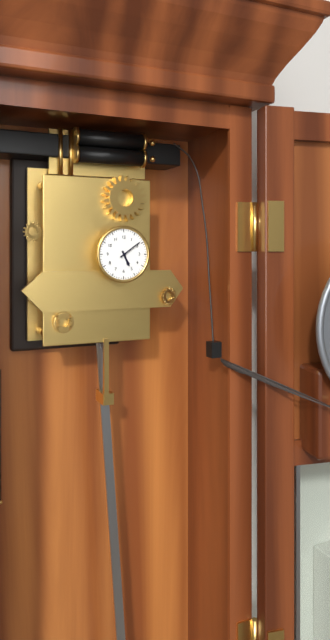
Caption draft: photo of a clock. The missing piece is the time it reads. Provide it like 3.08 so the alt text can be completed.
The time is 5.09
